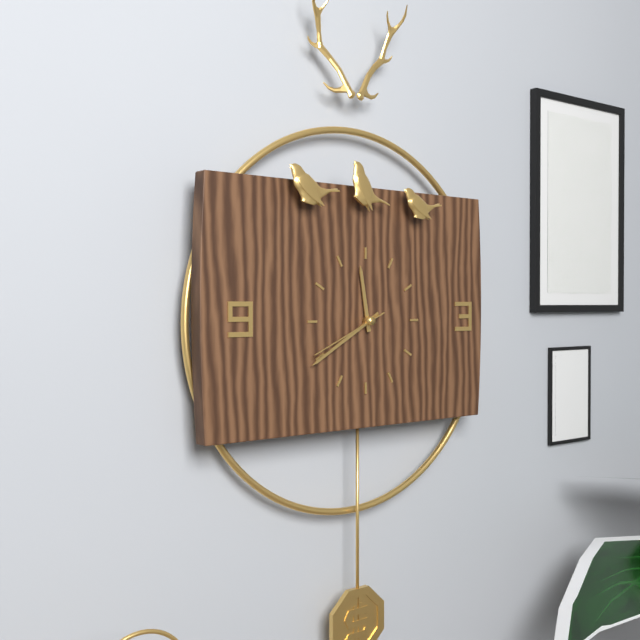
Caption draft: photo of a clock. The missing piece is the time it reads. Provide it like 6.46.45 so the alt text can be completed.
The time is 11.40.41
